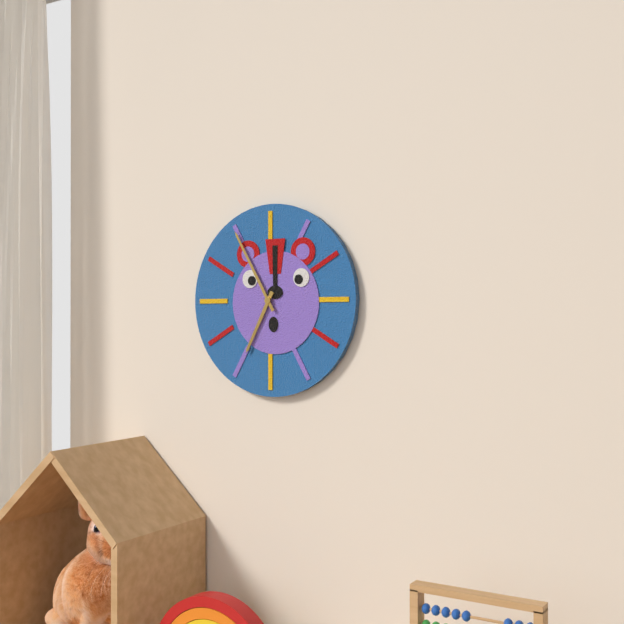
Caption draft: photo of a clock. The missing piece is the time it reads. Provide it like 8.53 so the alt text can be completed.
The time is 6.55
